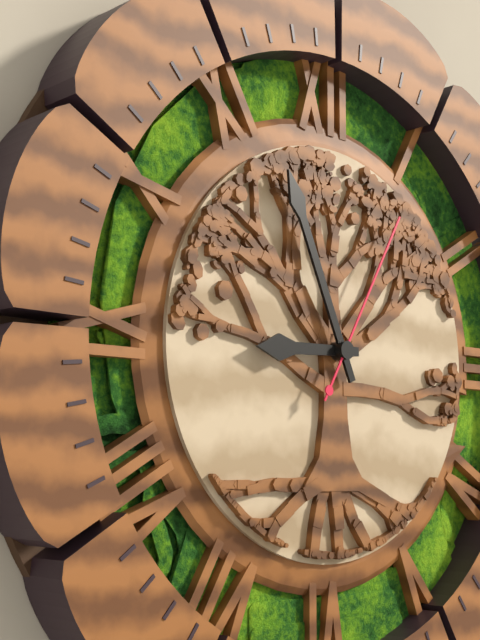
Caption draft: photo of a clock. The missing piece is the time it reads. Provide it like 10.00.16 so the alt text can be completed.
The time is 8.56.05
